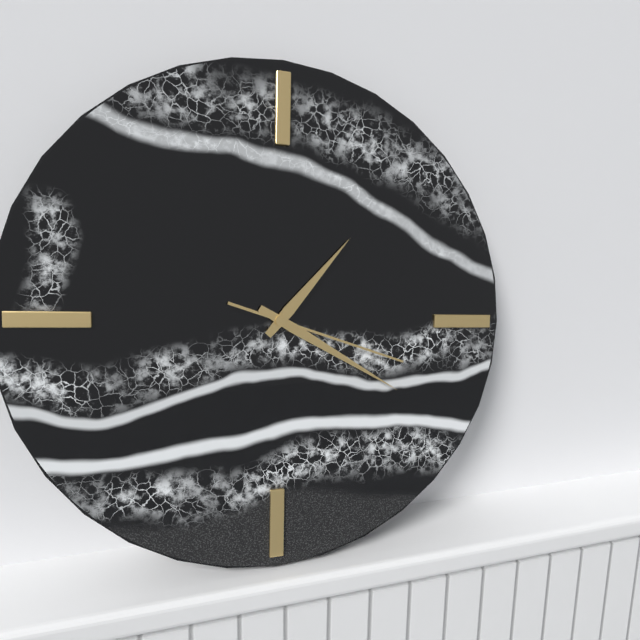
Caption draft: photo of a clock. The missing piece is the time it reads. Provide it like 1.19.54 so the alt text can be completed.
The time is 1.20.18
